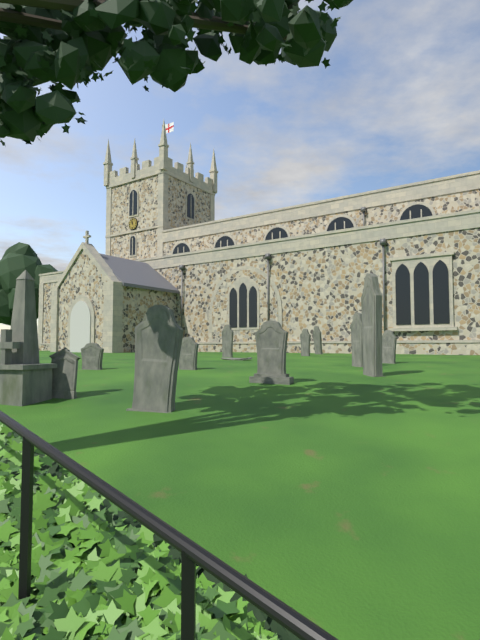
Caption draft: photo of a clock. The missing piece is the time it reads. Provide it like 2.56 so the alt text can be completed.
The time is 11.55
